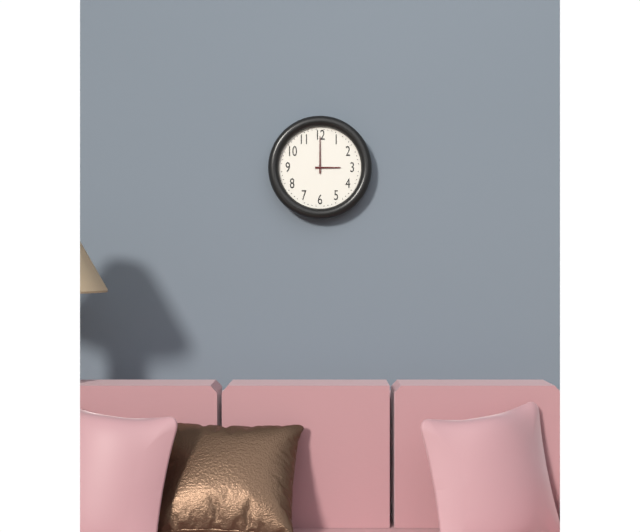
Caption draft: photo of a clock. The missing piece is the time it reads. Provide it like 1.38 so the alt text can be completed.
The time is 3.00
